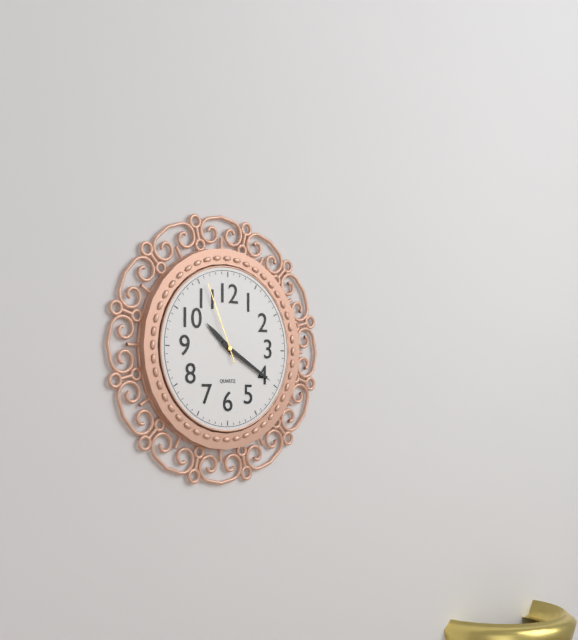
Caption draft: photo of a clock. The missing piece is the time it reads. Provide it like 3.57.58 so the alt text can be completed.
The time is 10.20.56
